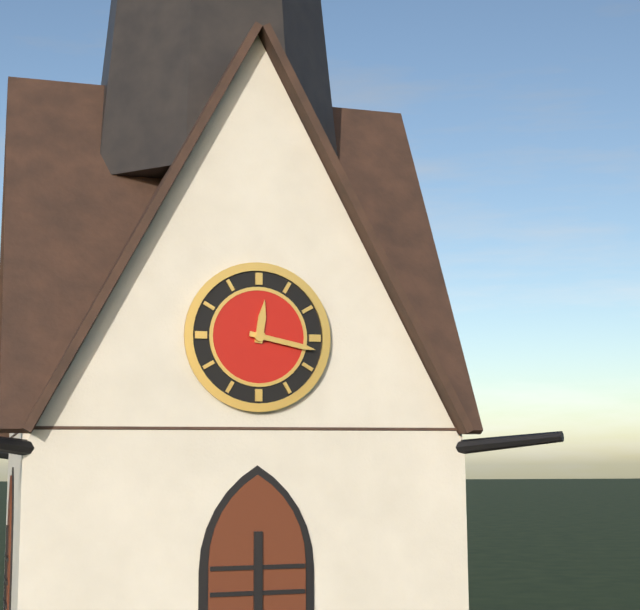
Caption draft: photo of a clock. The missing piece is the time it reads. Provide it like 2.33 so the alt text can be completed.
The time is 12.17
